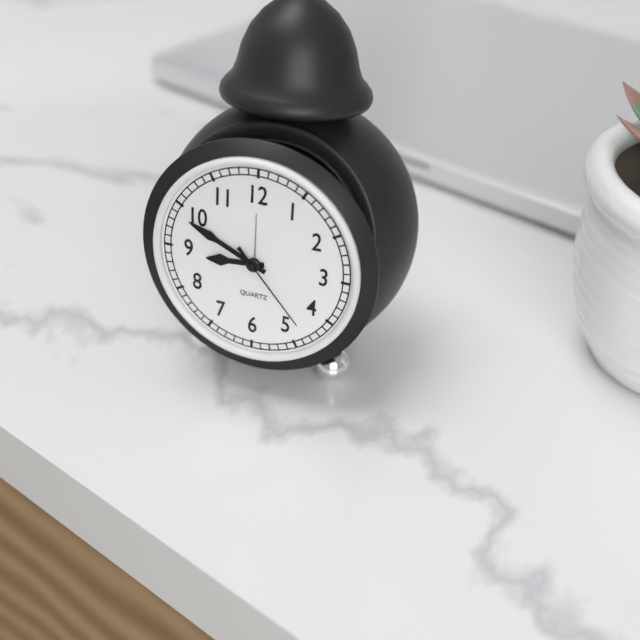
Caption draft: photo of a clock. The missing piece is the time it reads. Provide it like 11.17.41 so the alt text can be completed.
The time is 8.49.23
